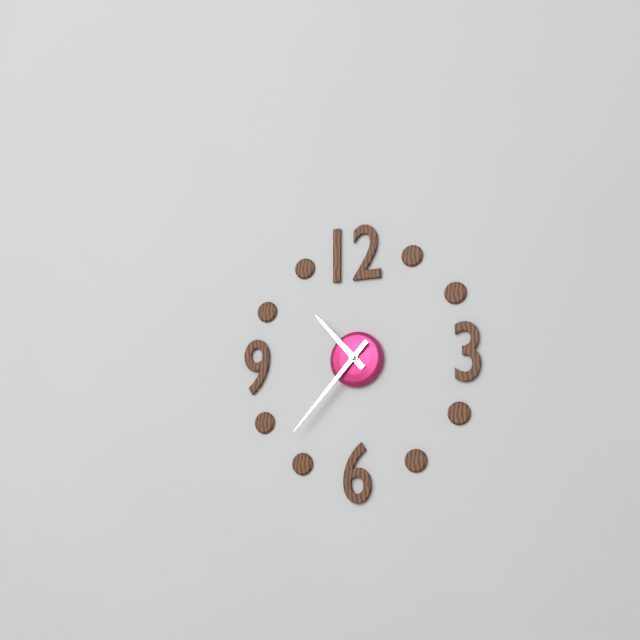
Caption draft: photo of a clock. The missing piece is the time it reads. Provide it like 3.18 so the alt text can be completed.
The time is 10.37
